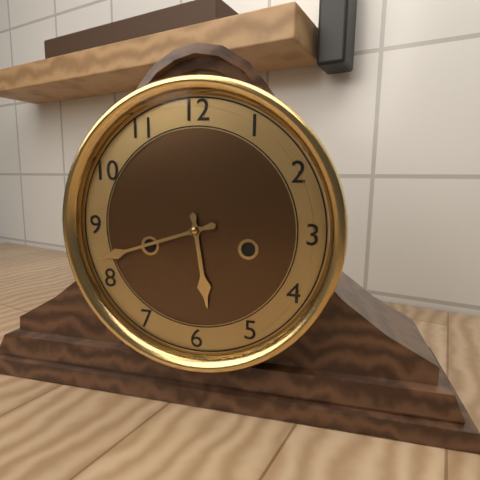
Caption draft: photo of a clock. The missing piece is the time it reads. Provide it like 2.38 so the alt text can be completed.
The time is 5.42
